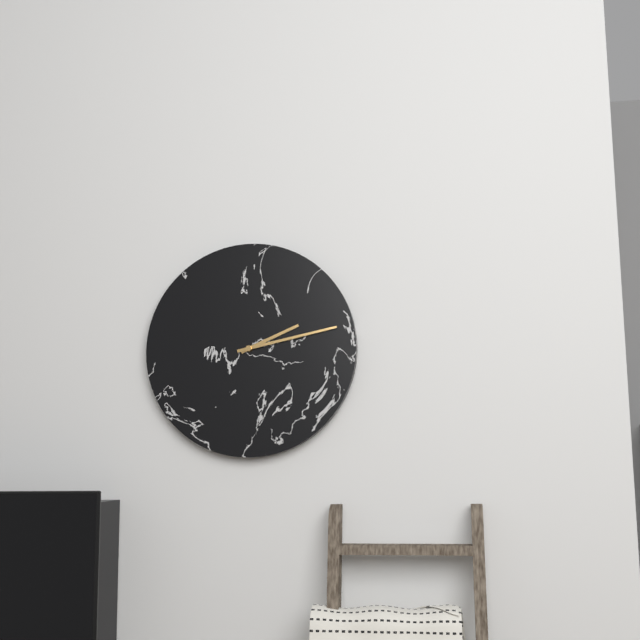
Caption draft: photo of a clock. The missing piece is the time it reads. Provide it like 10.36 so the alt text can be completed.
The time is 2.13
